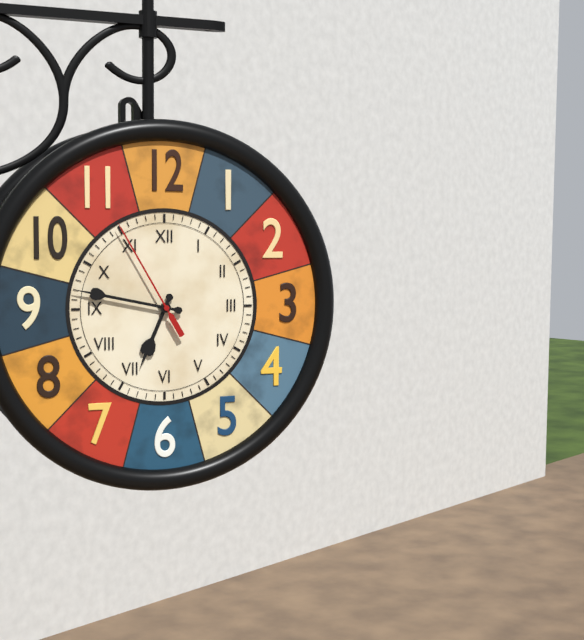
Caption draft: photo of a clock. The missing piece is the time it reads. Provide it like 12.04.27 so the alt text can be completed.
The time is 6.47.55
